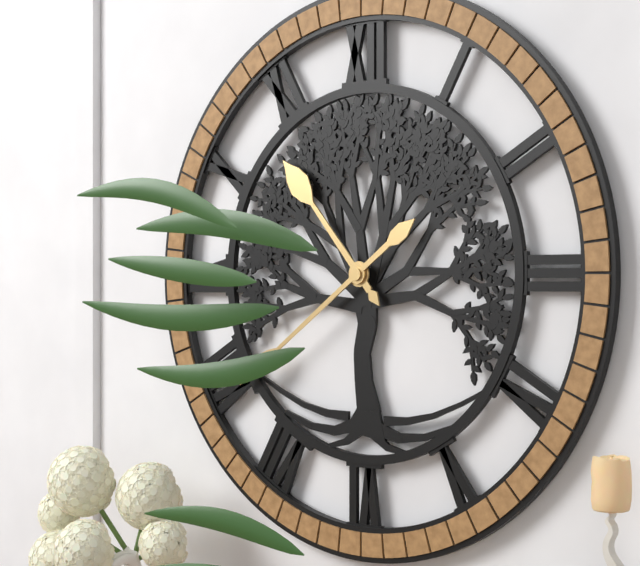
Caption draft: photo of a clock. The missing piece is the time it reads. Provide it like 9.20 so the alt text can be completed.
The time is 10.39
